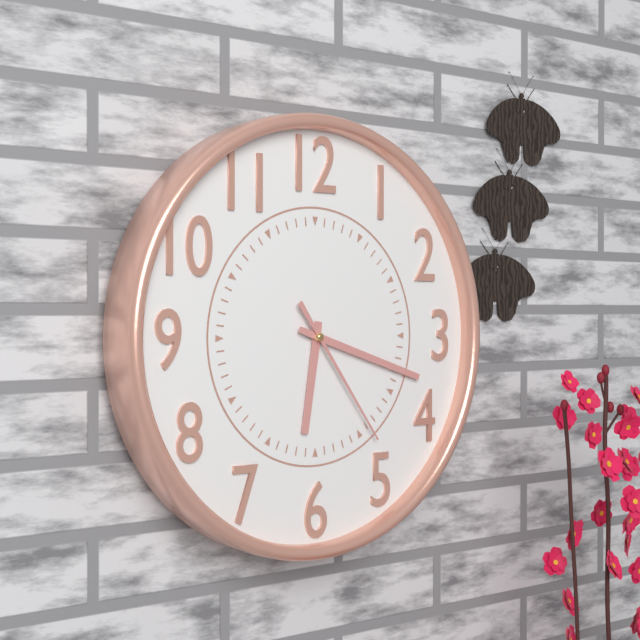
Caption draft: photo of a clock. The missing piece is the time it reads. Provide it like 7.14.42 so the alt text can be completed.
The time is 6.18.24
